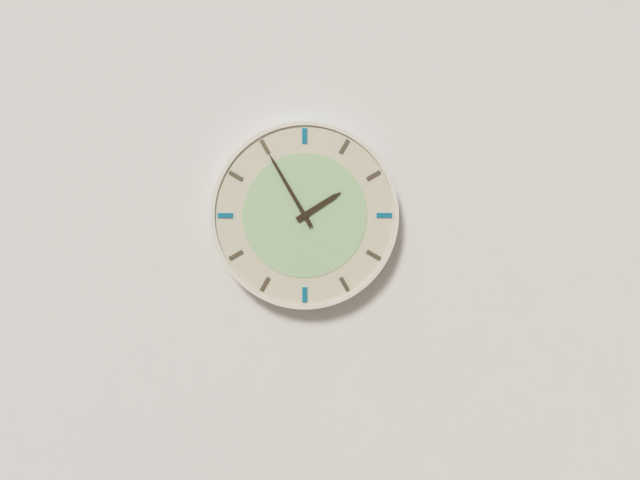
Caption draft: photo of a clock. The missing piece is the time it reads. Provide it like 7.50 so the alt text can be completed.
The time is 1.55
